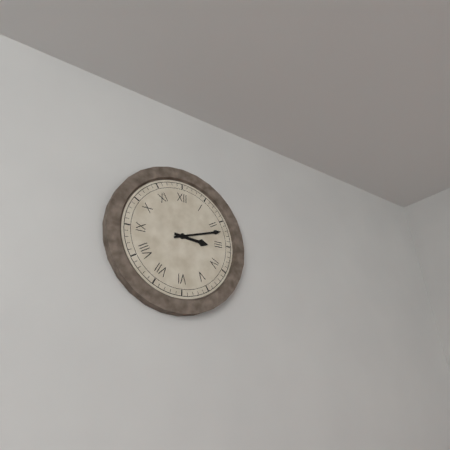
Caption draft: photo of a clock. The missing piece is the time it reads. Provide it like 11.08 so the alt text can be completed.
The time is 3.12
